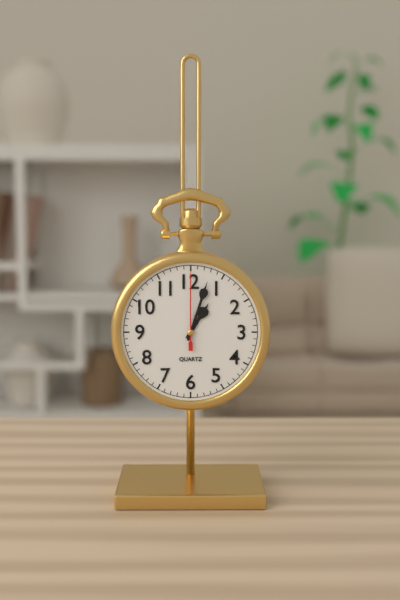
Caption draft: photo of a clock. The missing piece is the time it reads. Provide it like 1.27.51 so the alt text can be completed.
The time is 1.03.00
